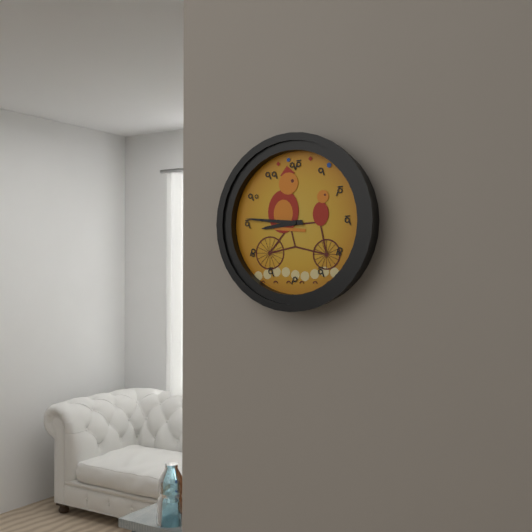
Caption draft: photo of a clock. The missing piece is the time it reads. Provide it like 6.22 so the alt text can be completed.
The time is 8.46
